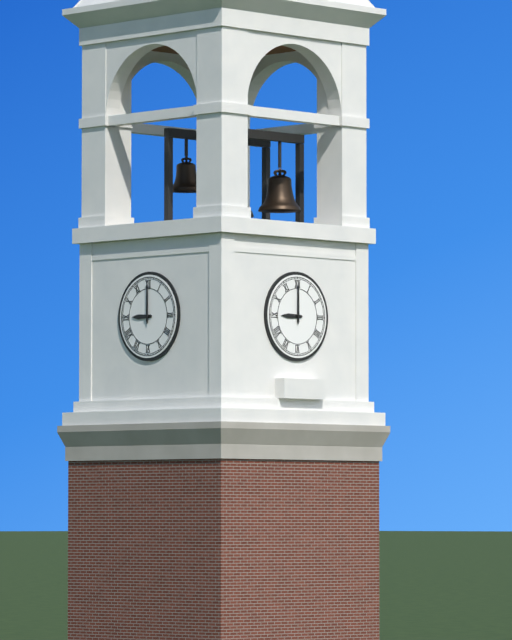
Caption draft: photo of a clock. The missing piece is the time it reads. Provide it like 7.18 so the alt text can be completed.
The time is 9.00
